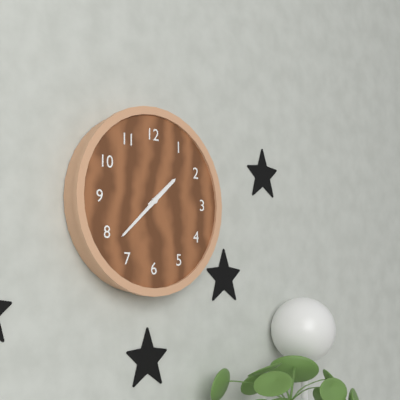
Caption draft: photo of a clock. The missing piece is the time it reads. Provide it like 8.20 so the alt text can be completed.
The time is 1.38
